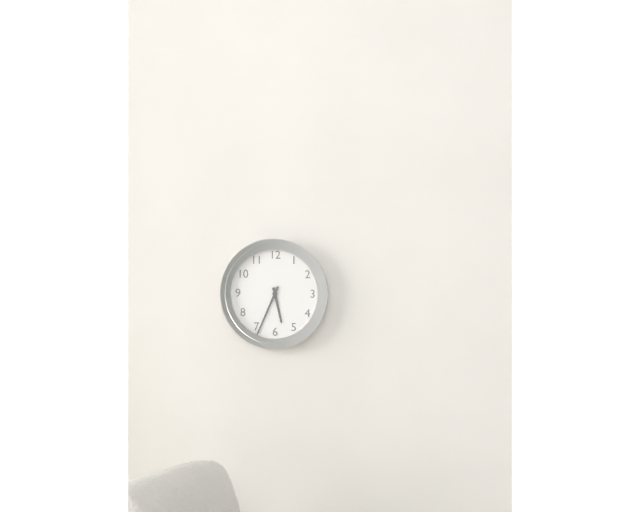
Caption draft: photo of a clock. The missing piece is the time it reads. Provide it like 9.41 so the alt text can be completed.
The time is 5.34
